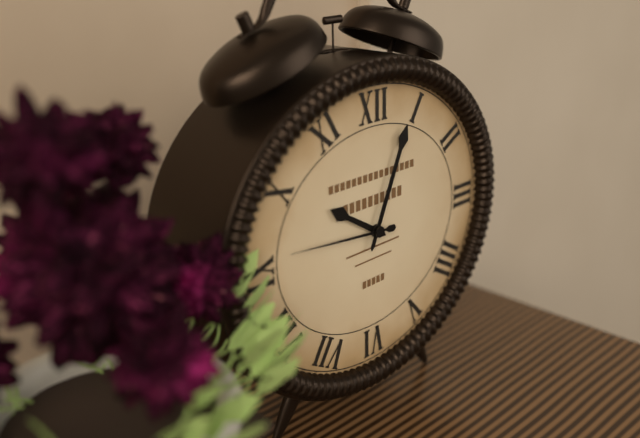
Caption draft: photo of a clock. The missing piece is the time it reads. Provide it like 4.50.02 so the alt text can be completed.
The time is 10.04.46
